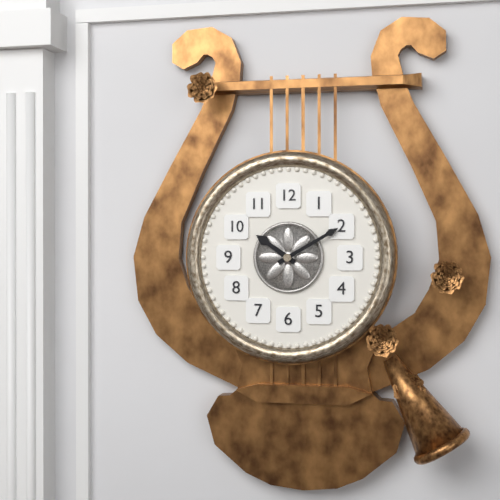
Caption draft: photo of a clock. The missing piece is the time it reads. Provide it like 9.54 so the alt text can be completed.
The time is 10.10
